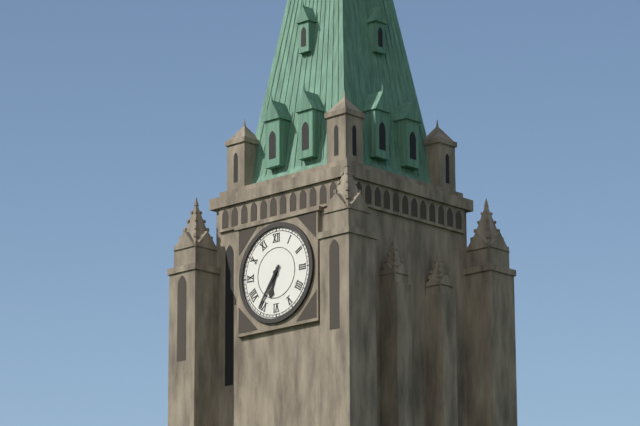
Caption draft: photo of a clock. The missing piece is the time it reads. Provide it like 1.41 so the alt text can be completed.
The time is 6.36
